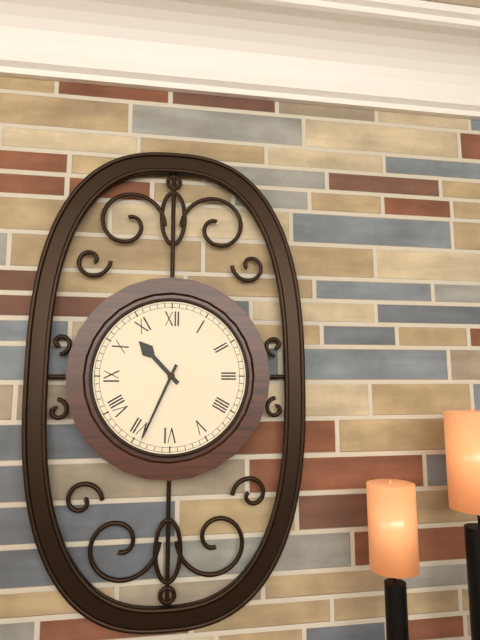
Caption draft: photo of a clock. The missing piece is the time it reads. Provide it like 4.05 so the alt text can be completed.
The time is 10.34
